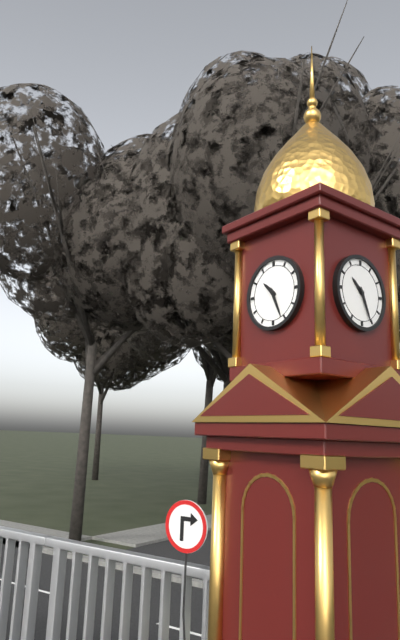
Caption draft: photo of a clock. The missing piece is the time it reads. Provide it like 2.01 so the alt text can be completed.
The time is 10.26
